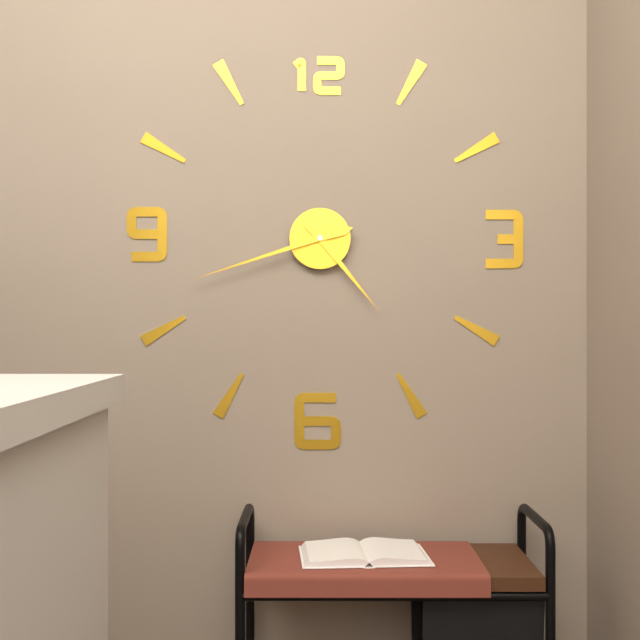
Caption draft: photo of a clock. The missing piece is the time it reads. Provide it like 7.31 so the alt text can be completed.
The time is 4.42
